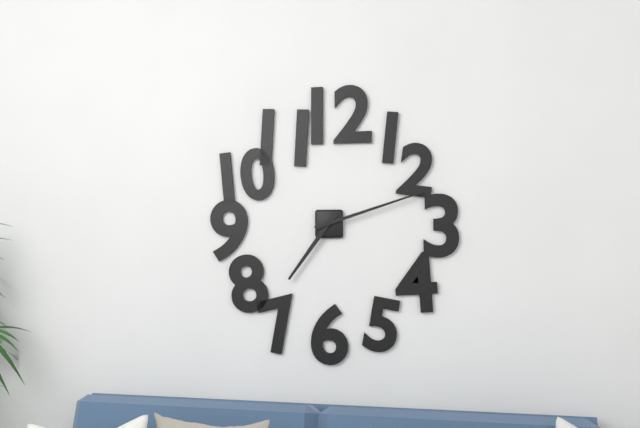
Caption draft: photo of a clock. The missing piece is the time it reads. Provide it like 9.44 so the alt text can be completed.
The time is 7.12
